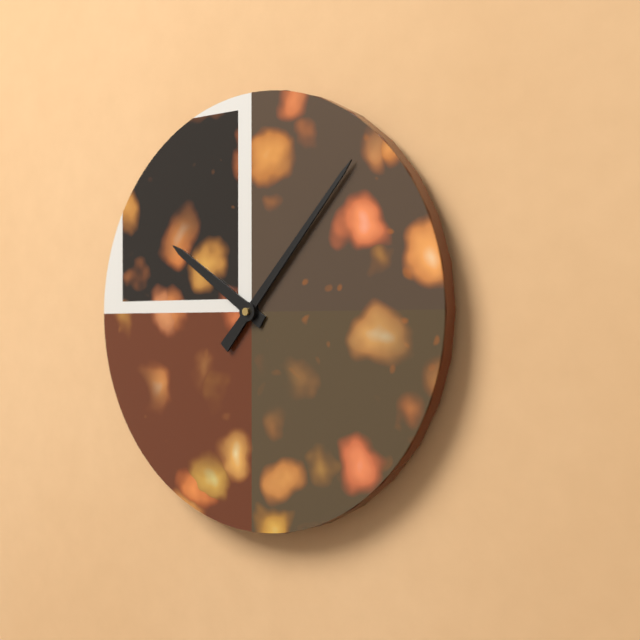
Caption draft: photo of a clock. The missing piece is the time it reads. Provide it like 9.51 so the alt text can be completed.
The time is 10.07
